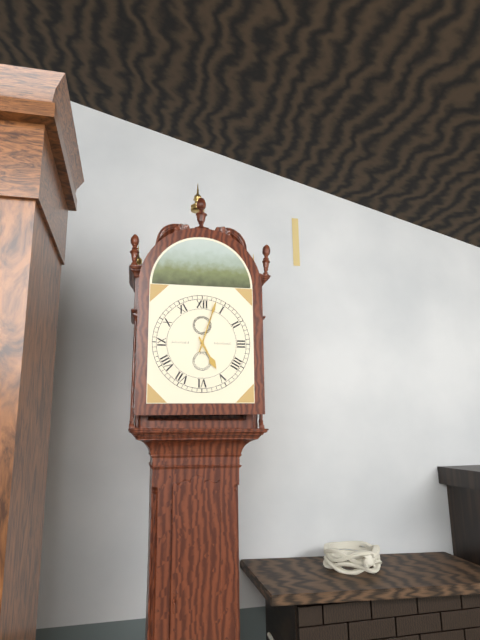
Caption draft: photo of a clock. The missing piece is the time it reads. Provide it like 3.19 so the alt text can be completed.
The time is 5.03
